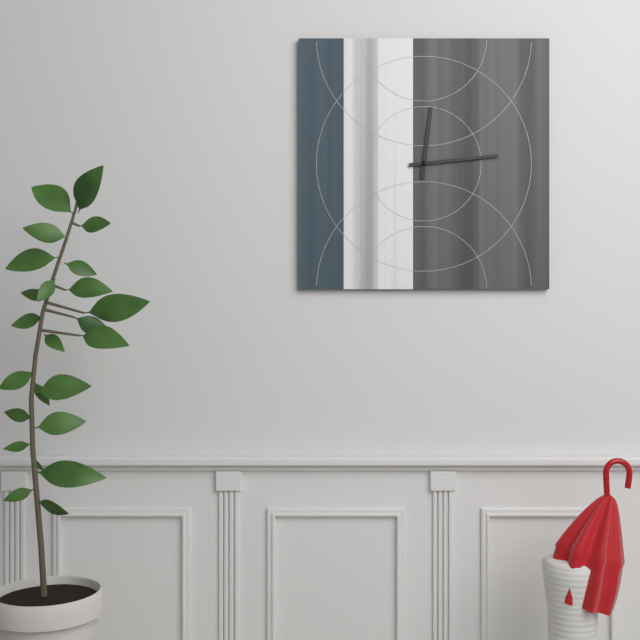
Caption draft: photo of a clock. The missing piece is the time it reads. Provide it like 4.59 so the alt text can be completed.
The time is 12.14
